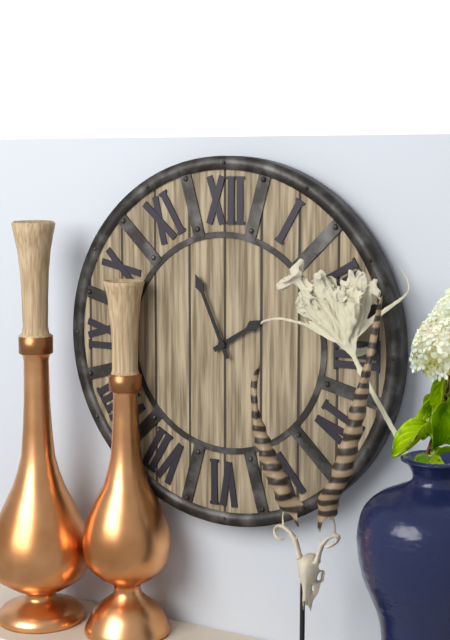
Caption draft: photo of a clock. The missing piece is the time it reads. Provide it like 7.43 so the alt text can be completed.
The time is 1.56
